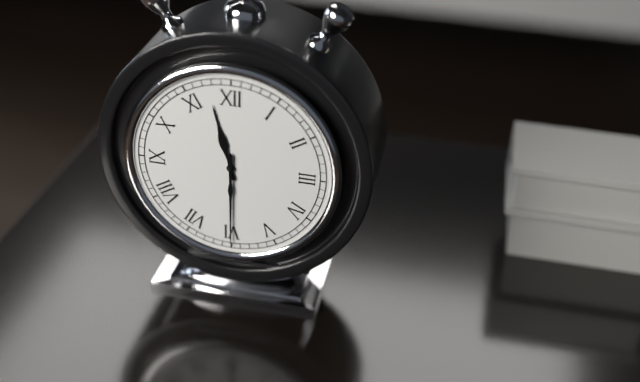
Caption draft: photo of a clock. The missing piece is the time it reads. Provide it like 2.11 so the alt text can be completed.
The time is 11.30
